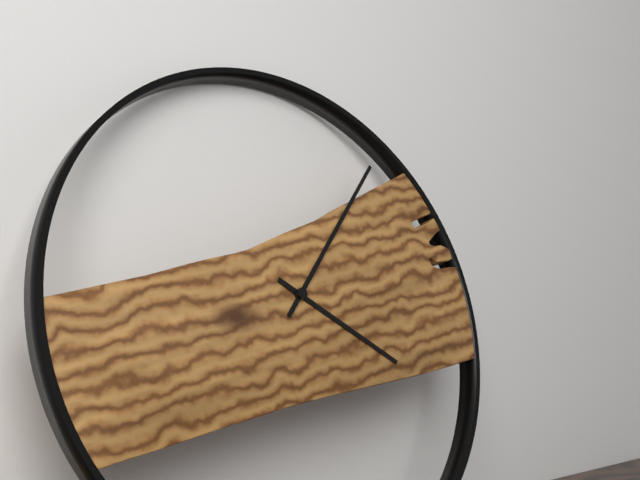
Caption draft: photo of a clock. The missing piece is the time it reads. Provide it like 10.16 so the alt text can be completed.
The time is 4.07
